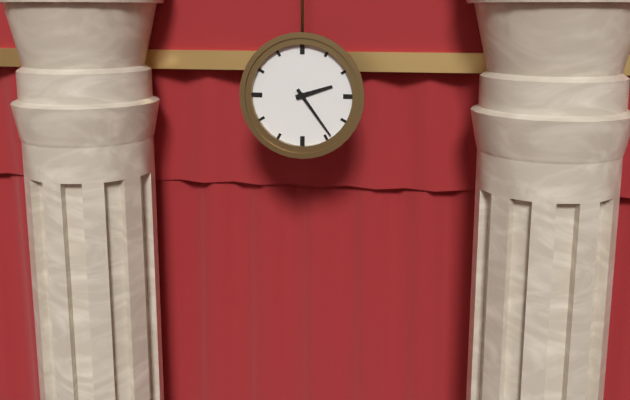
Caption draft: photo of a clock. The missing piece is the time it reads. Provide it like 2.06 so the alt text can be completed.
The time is 2.24
